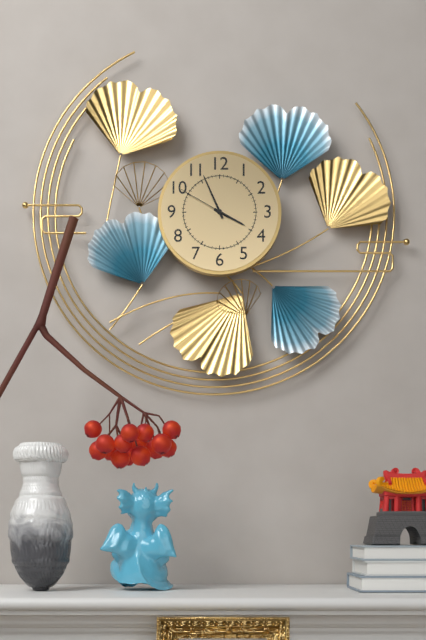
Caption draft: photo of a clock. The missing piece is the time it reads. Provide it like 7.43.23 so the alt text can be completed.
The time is 3.56.50
